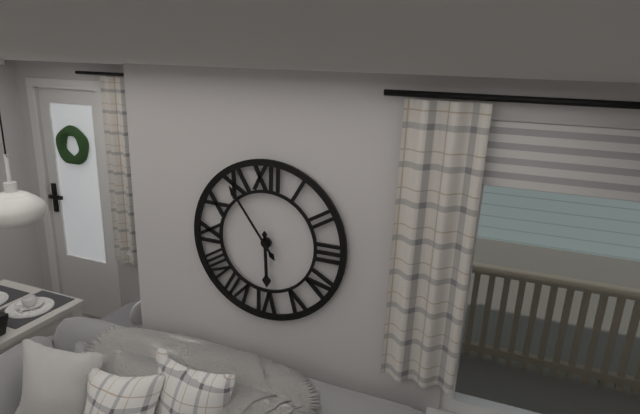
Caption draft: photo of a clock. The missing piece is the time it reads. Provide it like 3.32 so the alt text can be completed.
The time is 5.54
